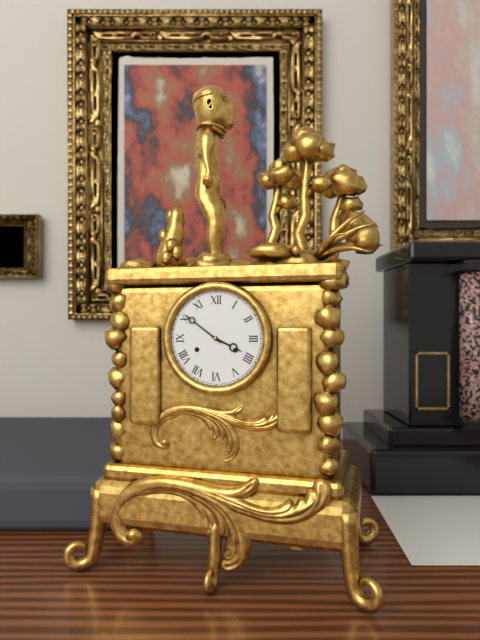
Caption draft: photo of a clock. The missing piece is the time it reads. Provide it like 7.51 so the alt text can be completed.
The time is 3.51
